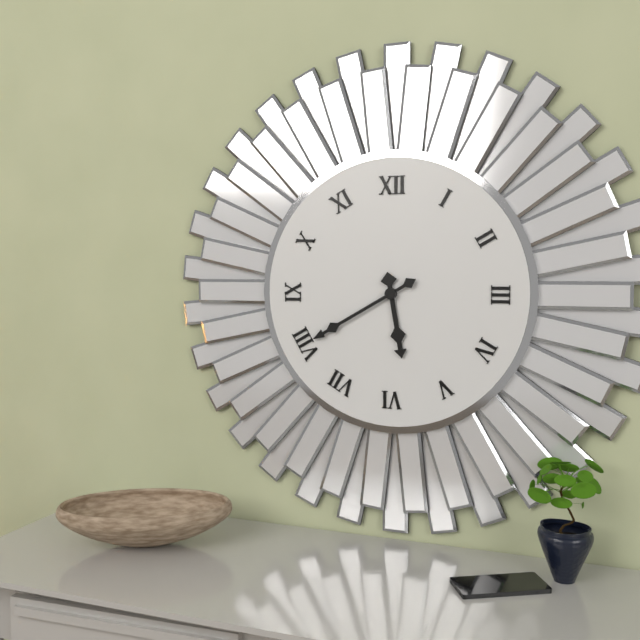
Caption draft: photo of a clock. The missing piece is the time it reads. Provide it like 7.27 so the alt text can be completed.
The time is 5.40
